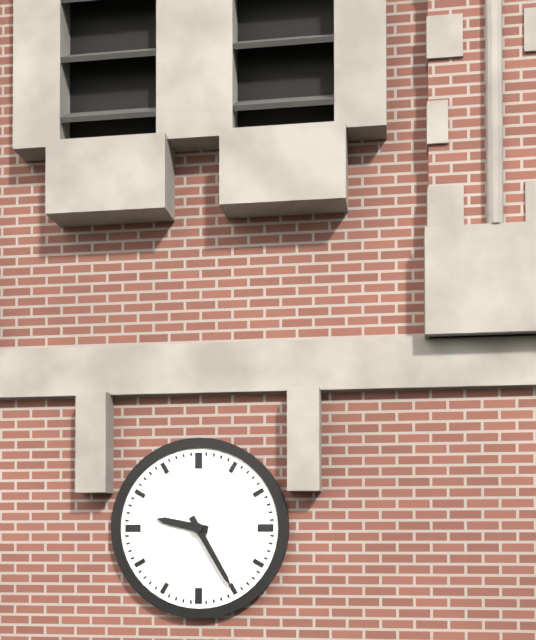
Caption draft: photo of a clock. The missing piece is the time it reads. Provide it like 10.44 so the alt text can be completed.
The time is 9.25
